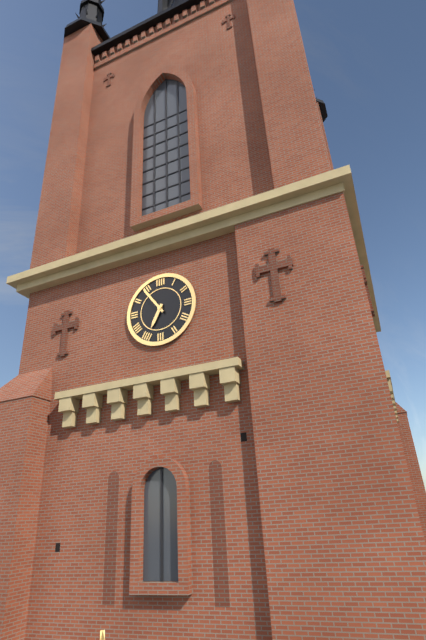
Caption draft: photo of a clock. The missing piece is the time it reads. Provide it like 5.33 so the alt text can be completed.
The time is 6.54
